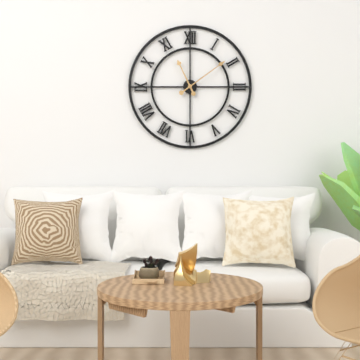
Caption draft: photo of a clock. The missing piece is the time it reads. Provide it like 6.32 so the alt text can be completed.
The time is 11.09
